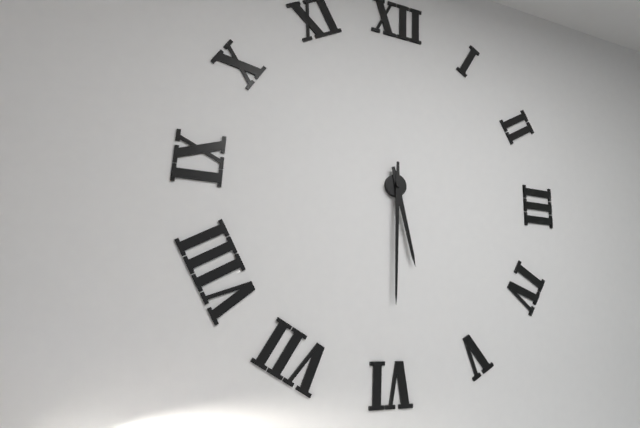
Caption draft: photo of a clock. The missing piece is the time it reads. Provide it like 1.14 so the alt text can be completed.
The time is 5.30
